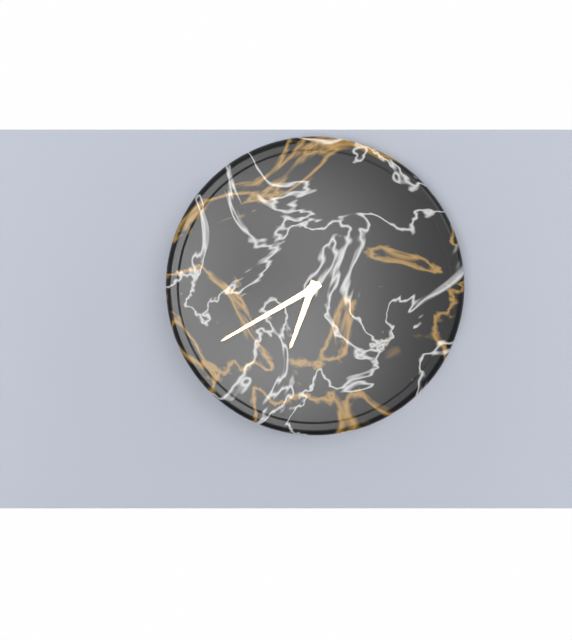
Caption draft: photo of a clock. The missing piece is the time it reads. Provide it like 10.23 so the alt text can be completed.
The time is 6.40
